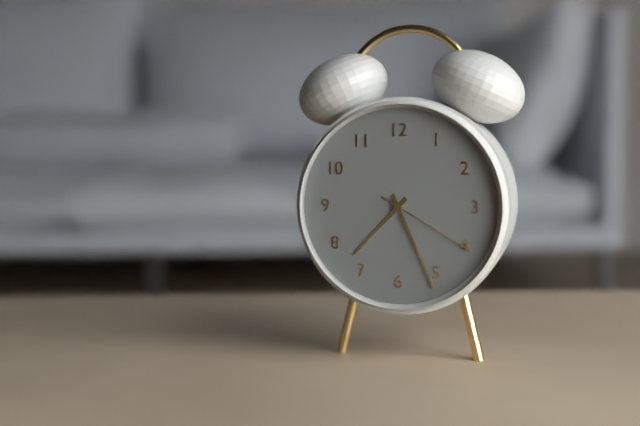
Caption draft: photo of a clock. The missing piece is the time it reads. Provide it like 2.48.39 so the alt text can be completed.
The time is 7.26.20
